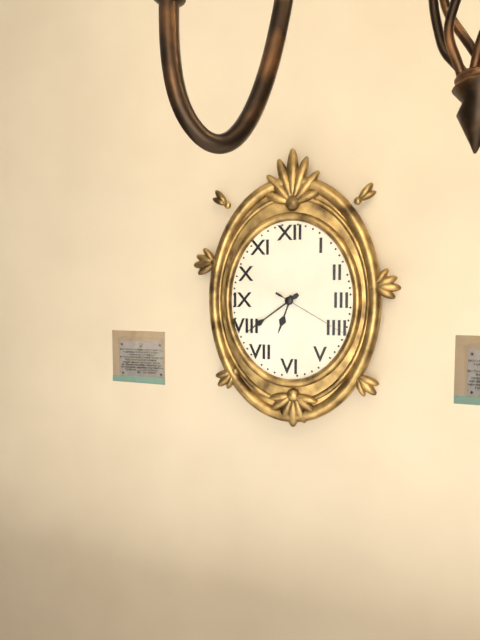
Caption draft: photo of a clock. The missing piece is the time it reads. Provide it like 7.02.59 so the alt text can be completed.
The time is 6.39.20
